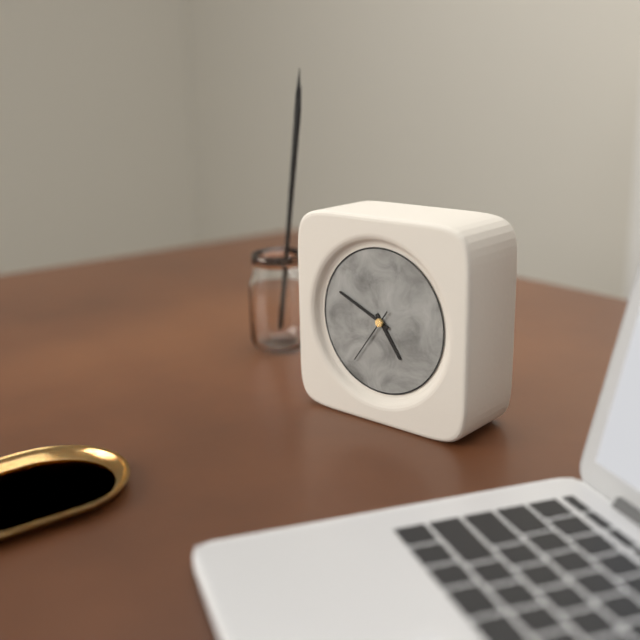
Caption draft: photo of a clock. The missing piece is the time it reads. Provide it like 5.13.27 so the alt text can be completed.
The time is 4.49.36
